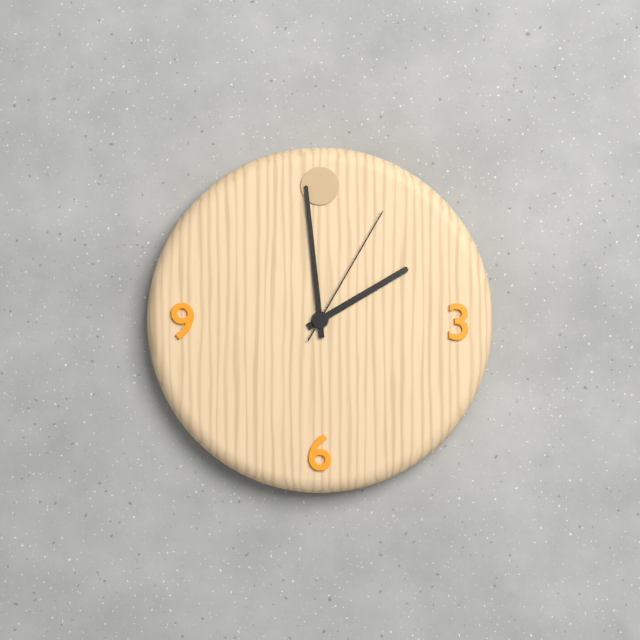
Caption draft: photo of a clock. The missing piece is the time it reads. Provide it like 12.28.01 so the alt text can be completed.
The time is 1.59.05
